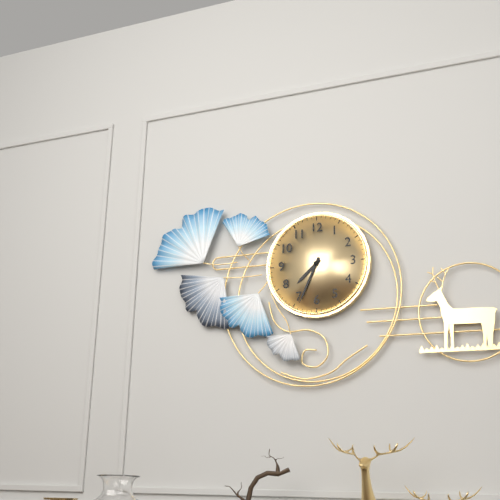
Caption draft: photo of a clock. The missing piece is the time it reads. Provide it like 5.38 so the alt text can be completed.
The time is 7.34
